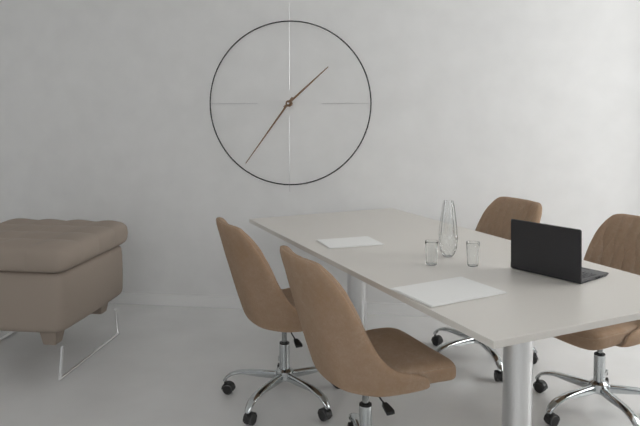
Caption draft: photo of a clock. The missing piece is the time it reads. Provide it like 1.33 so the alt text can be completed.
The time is 1.36
